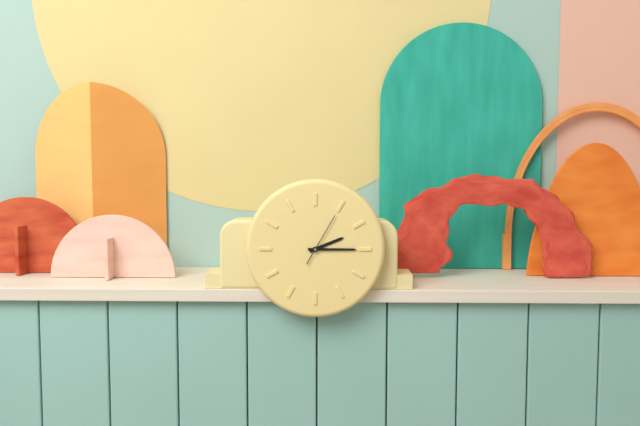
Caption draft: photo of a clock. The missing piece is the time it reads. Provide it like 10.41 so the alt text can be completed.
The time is 2.15
